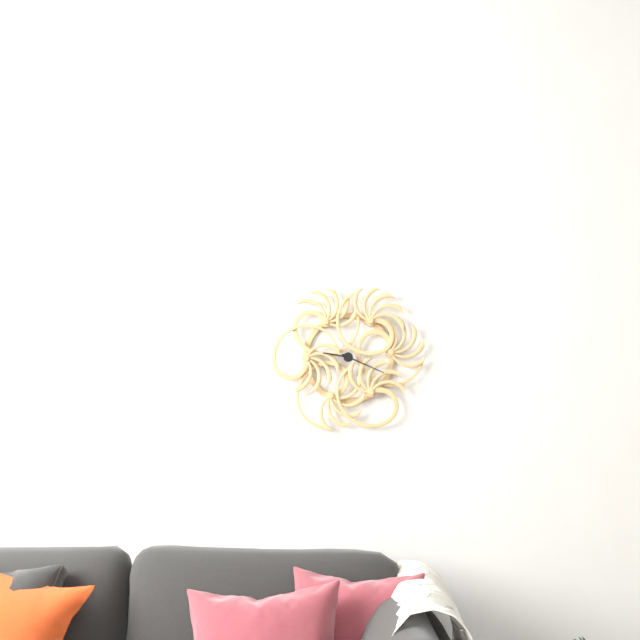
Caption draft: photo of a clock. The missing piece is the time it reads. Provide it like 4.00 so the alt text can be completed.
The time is 9.19
